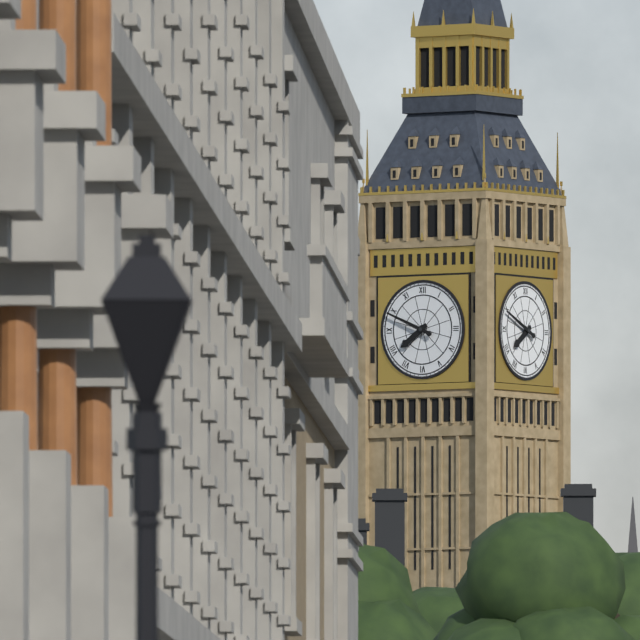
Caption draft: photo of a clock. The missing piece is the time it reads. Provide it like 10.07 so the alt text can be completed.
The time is 7.49
